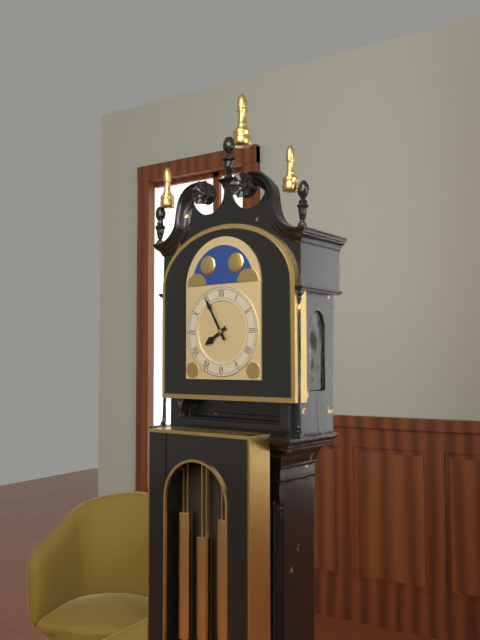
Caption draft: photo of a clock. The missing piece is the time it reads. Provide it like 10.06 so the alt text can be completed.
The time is 7.55
